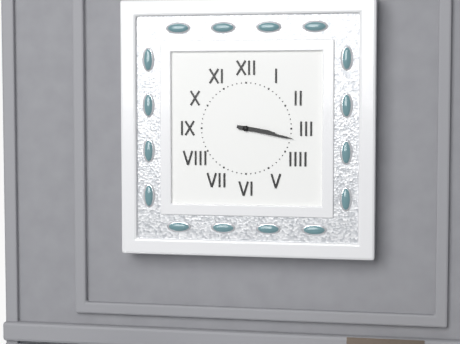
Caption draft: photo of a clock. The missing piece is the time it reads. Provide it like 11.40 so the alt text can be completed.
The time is 3.17
